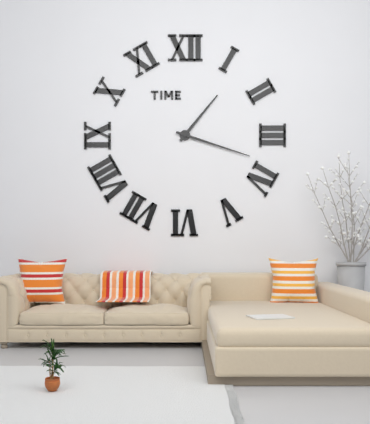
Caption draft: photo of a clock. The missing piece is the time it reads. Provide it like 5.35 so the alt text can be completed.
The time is 1.18
